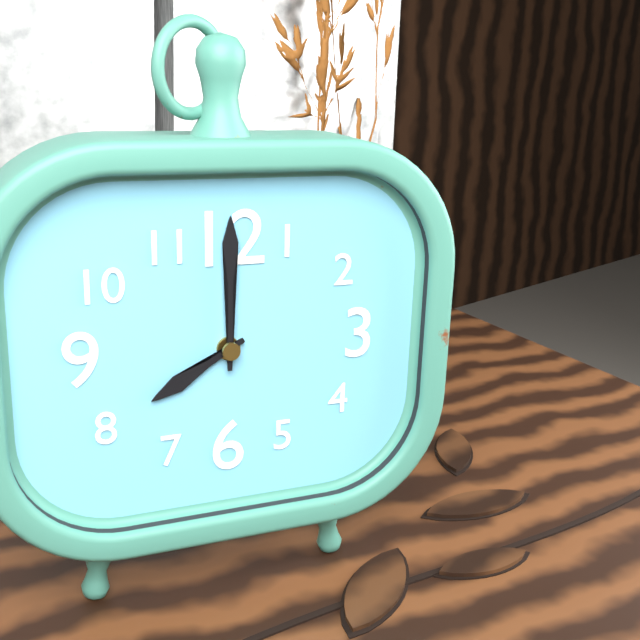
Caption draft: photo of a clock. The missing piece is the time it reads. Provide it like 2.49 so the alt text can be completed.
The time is 8.00
